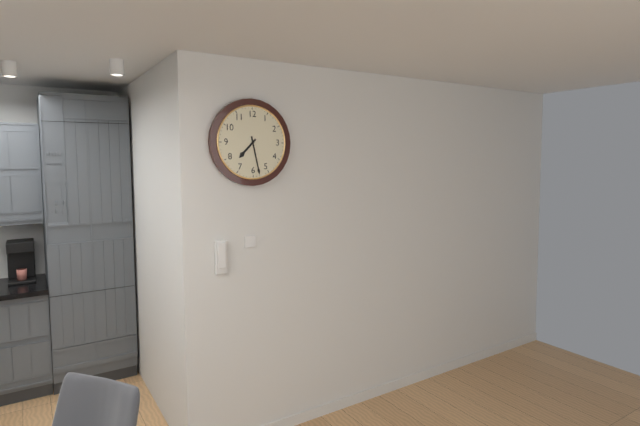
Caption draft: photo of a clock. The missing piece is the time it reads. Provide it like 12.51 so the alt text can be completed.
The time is 7.28
